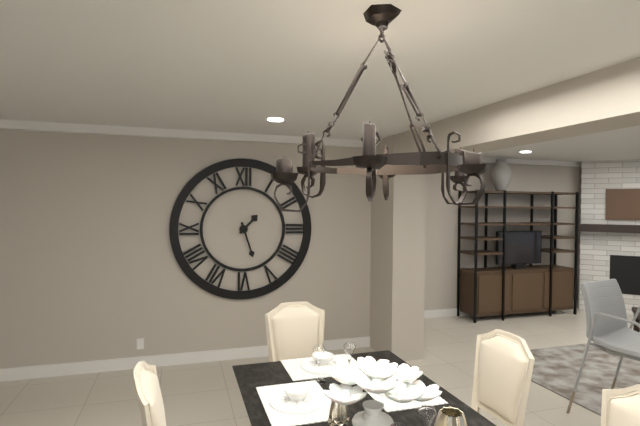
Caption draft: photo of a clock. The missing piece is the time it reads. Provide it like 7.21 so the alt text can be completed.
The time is 1.27
